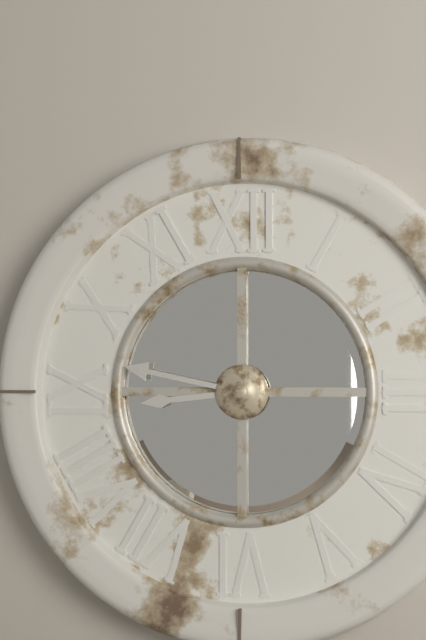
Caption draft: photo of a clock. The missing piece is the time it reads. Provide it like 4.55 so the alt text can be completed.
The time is 8.47
